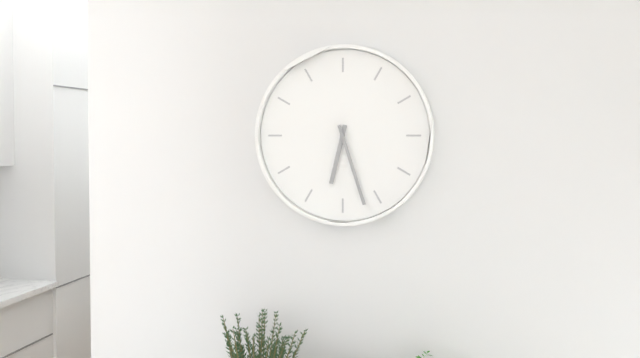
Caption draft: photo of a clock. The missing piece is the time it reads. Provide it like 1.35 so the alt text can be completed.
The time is 6.27
